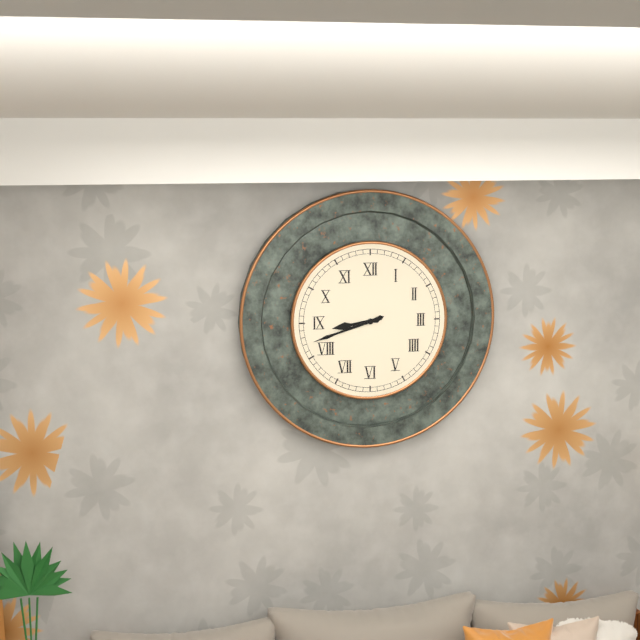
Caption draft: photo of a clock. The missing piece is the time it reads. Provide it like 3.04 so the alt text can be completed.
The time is 8.42
